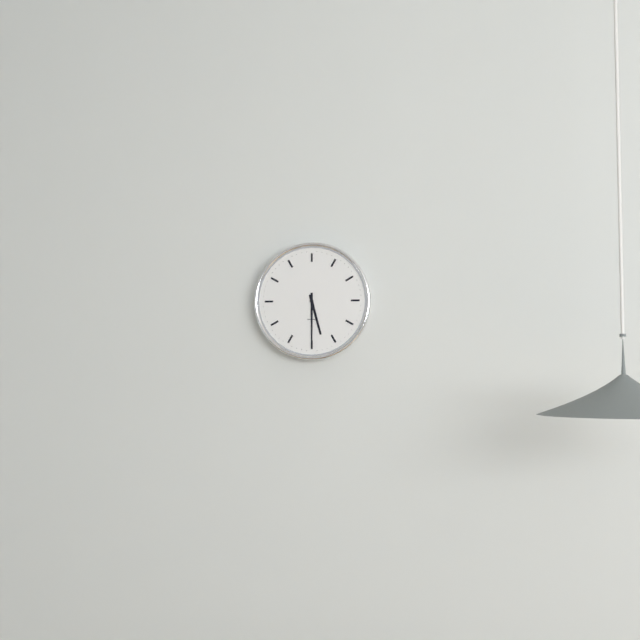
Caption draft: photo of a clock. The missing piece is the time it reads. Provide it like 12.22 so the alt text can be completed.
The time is 5.30
